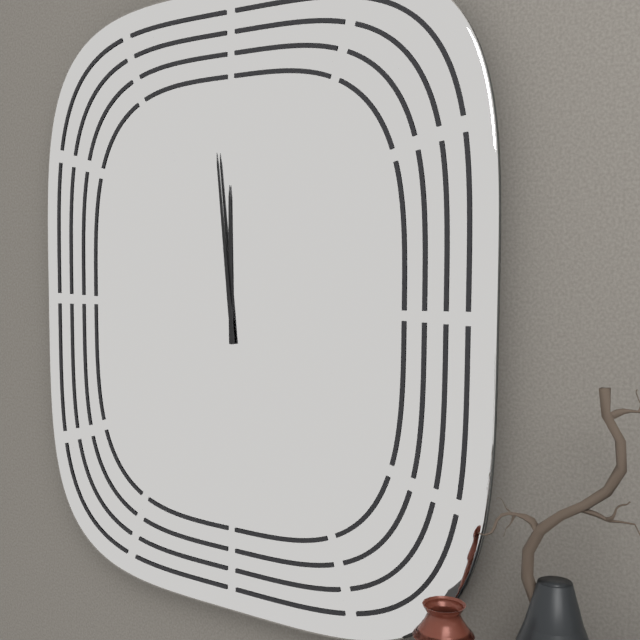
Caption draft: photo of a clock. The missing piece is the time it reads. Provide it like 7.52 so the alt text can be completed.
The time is 11.59
